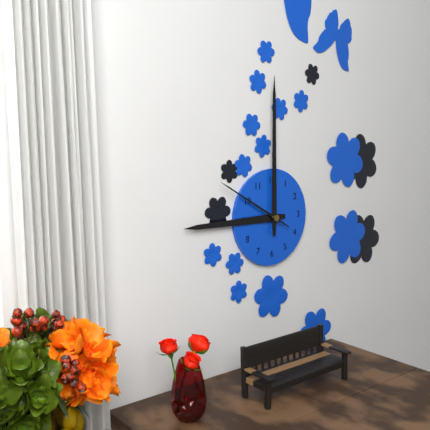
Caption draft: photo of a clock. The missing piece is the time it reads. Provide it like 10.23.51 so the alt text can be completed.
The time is 9.00.50
